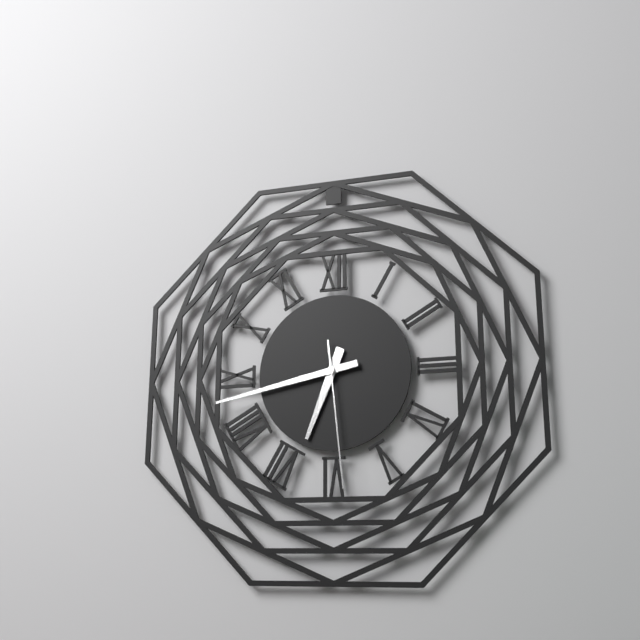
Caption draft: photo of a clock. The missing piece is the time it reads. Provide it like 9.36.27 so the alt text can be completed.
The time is 6.43.29
